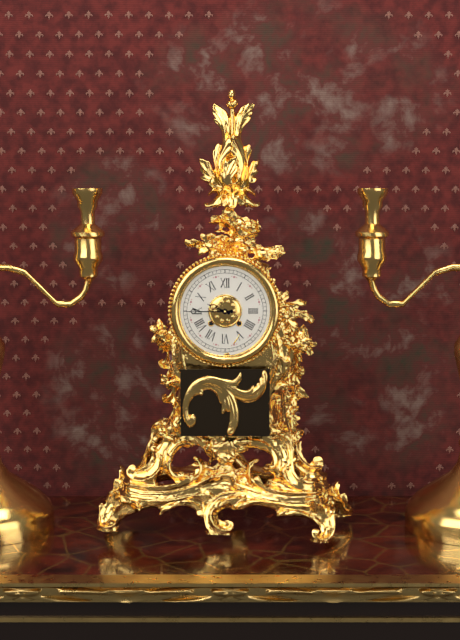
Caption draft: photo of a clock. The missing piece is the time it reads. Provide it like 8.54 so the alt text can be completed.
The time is 9.45
